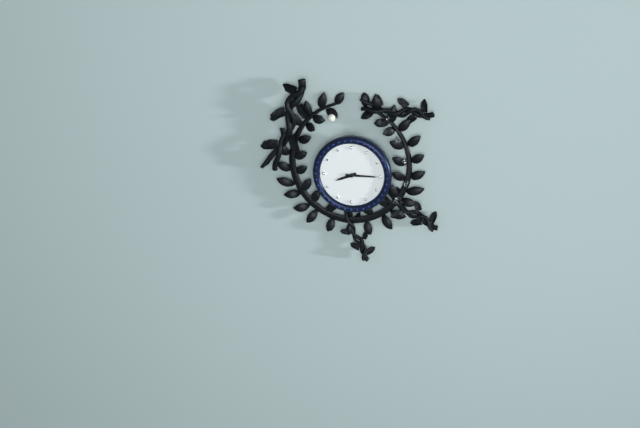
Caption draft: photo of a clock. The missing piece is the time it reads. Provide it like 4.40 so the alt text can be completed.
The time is 8.15
